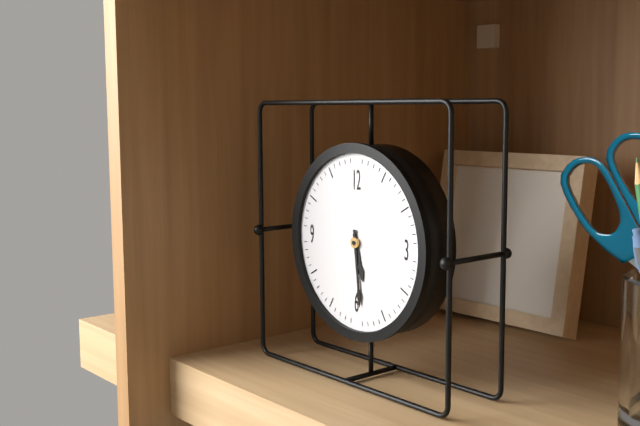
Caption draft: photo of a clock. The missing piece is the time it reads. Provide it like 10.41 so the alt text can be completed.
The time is 5.29
